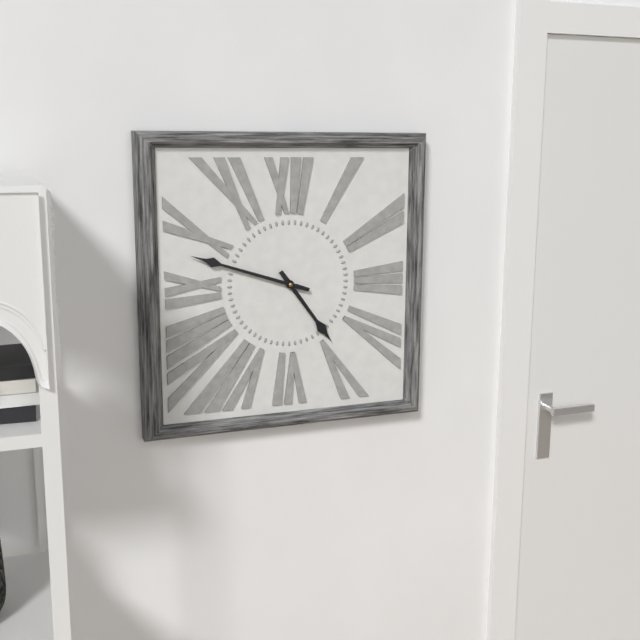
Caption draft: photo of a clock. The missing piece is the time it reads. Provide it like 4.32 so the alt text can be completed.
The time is 4.48
